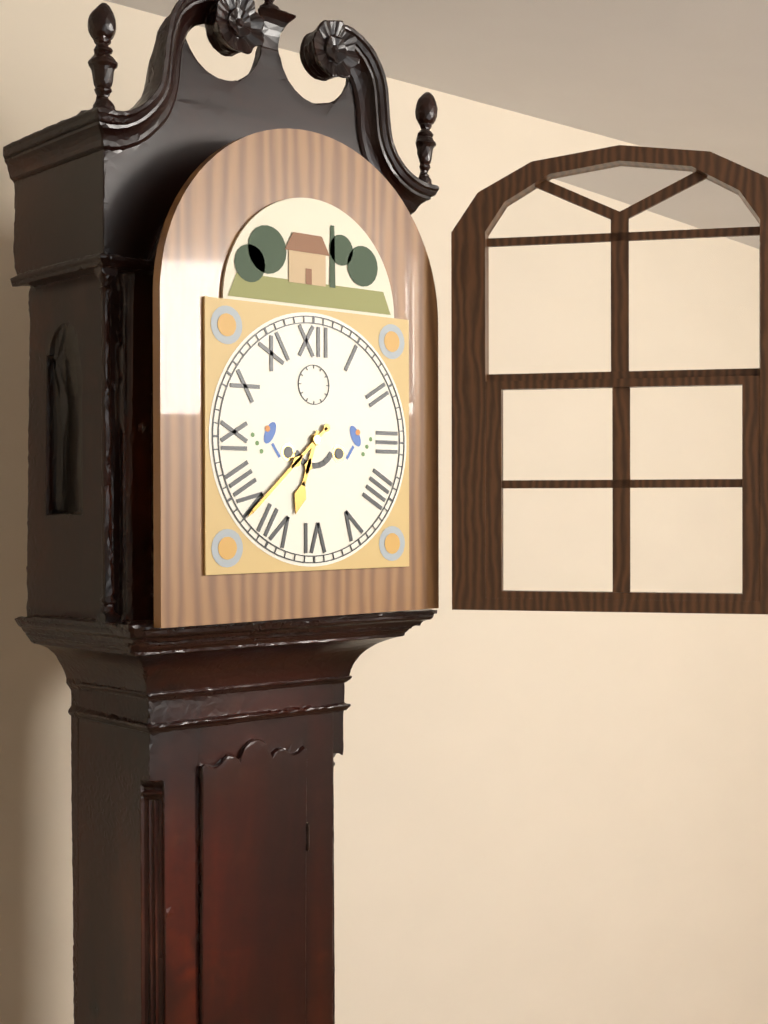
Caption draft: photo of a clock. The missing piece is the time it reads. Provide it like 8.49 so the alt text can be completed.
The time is 6.38
